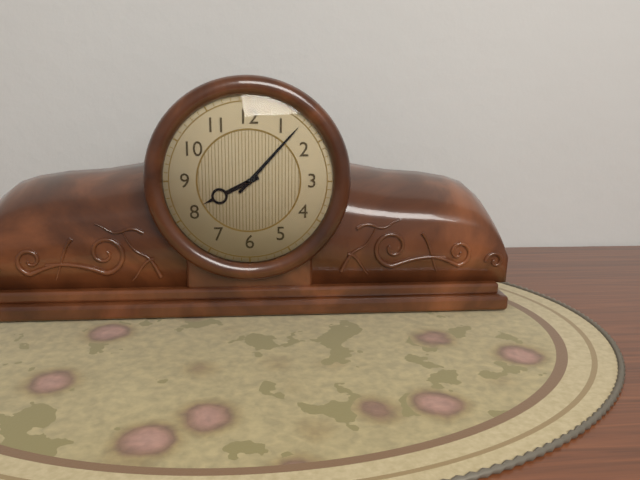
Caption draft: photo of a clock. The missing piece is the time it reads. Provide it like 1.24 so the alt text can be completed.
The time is 8.07
